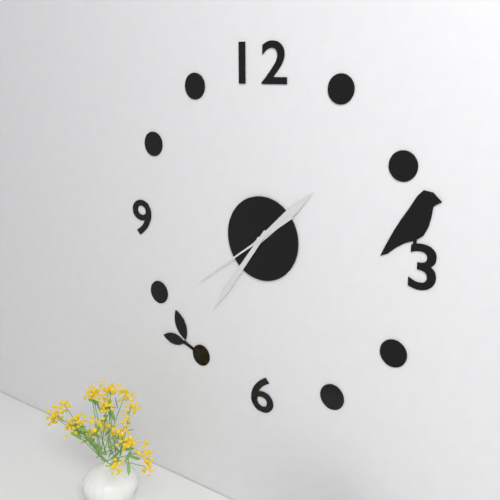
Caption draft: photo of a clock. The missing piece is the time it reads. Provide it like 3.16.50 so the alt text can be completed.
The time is 1.36.39
